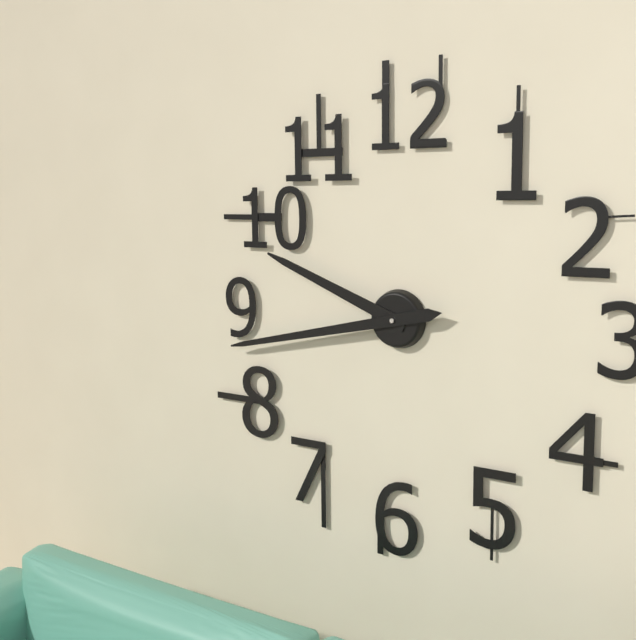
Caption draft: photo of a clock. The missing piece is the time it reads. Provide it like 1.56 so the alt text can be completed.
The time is 9.43
